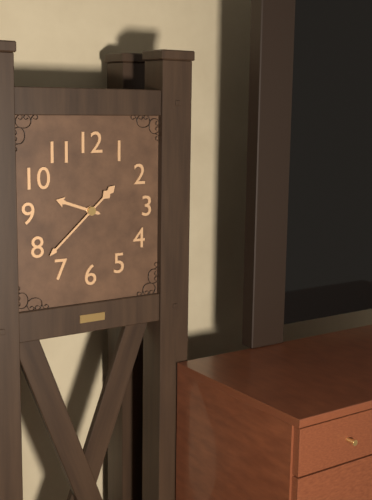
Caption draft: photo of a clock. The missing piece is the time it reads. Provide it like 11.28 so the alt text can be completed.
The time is 9.38
